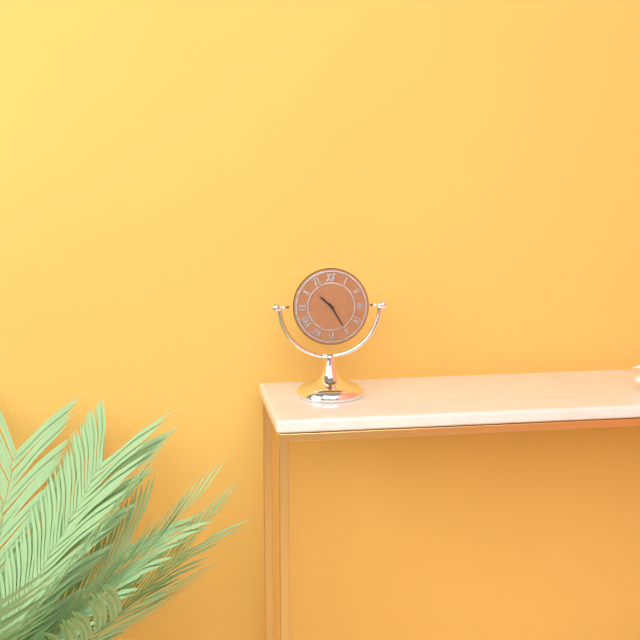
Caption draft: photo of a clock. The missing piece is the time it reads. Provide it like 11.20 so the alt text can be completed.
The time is 10.25
